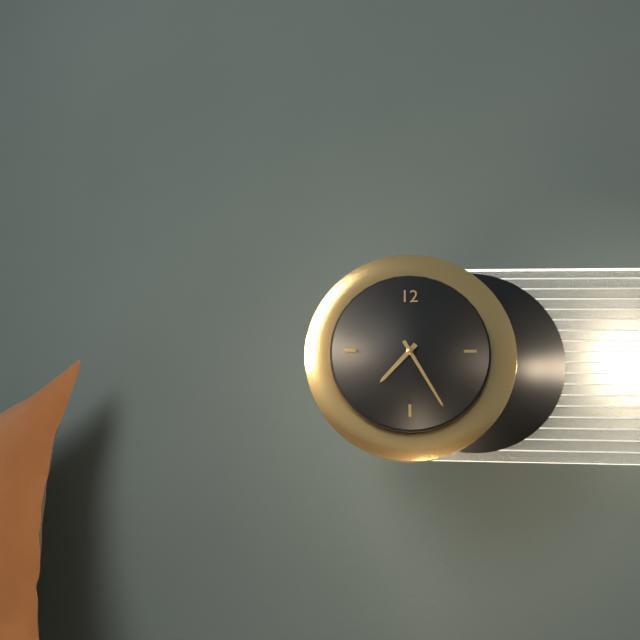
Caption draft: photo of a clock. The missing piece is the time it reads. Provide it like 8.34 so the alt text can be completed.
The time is 7.25
